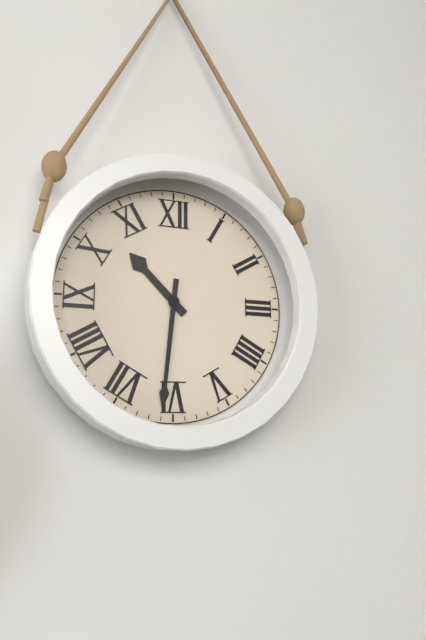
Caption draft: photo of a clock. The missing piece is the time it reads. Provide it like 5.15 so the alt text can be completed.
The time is 10.31
